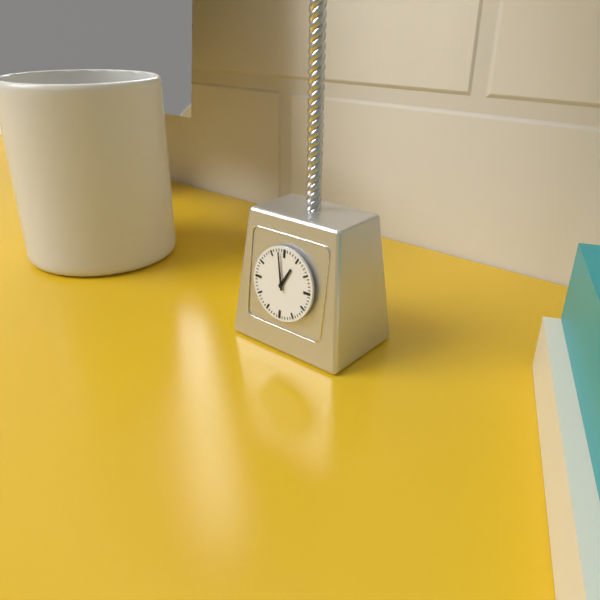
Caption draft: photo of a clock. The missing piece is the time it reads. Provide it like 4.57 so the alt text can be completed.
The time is 12.58
